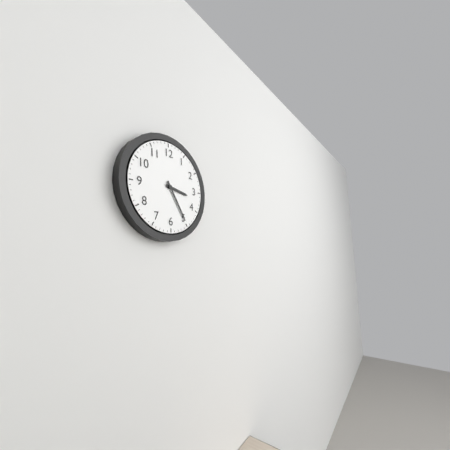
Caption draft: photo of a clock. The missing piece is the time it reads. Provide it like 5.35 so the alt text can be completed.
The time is 3.25
